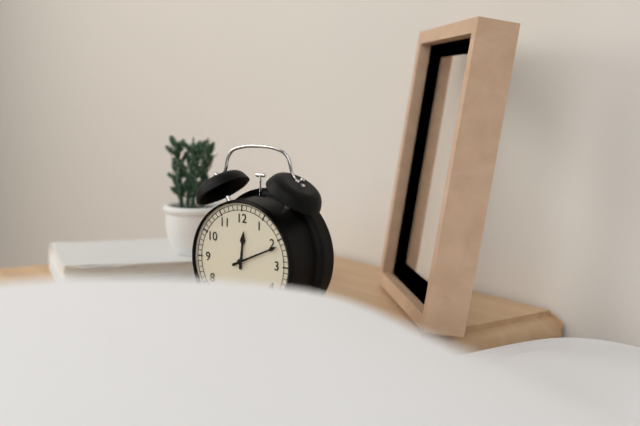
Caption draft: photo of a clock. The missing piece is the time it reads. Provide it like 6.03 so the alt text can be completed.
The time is 12.11
